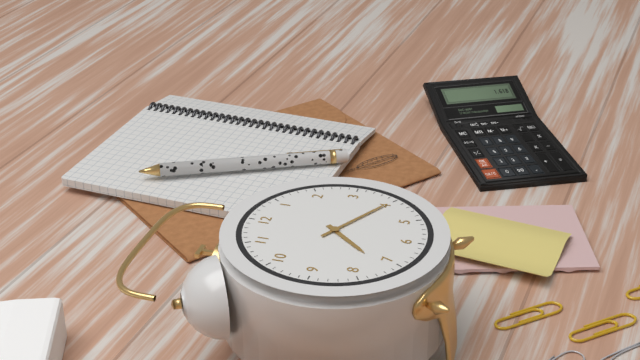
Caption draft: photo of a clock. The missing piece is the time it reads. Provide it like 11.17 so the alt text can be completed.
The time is 7.20
